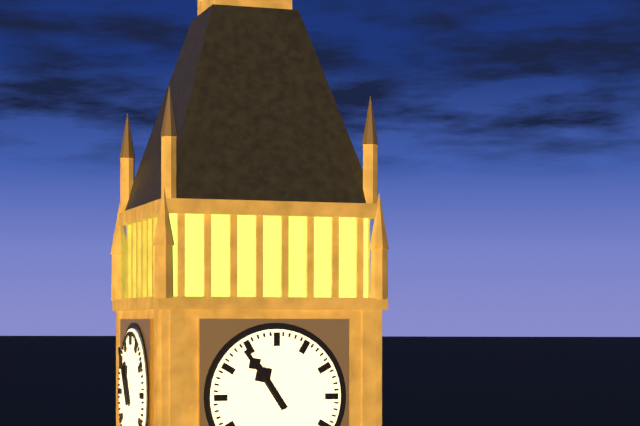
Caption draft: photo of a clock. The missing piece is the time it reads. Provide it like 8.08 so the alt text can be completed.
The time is 10.54
